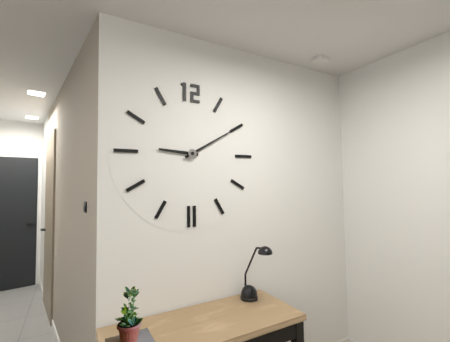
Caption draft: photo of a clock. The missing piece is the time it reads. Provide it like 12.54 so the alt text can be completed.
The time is 9.10
